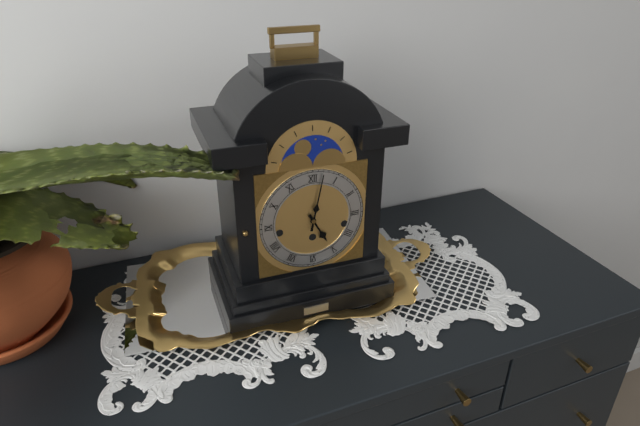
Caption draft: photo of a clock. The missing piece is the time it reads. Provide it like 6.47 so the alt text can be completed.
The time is 5.02
